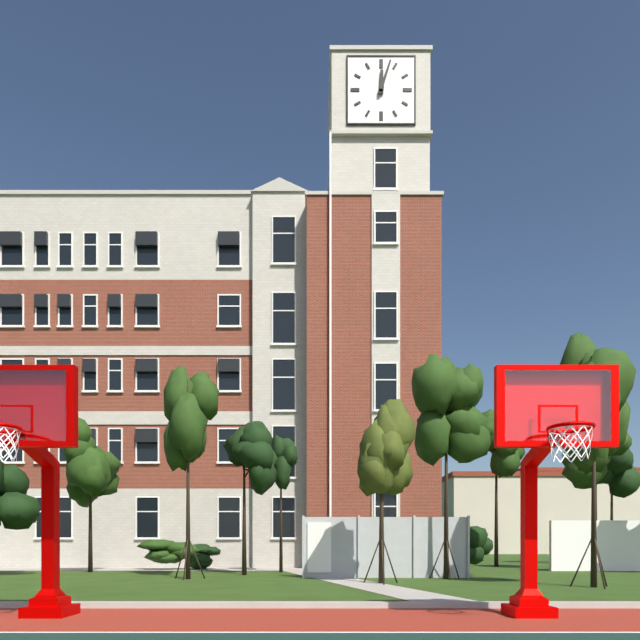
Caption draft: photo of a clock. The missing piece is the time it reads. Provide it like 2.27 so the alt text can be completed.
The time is 12.03
